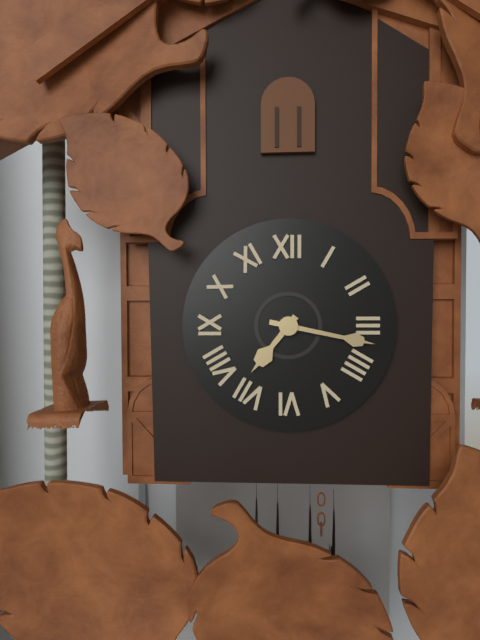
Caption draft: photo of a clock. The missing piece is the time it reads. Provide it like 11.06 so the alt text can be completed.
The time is 7.17
